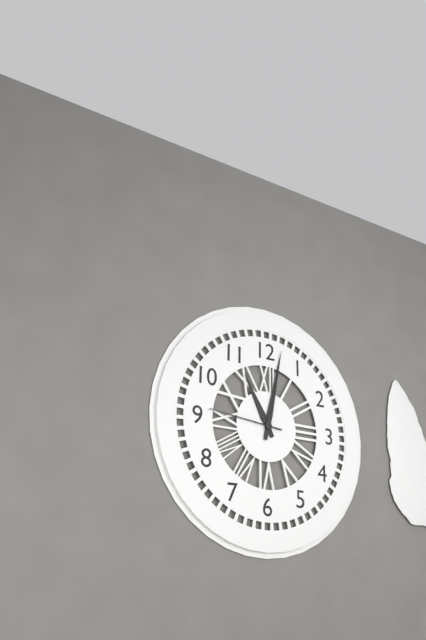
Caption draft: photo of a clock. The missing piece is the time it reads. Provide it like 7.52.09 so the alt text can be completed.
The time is 11.02.46
